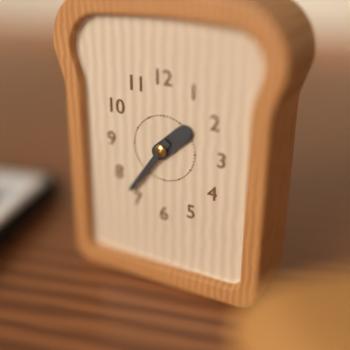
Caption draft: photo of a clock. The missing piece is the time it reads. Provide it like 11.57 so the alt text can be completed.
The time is 1.36
